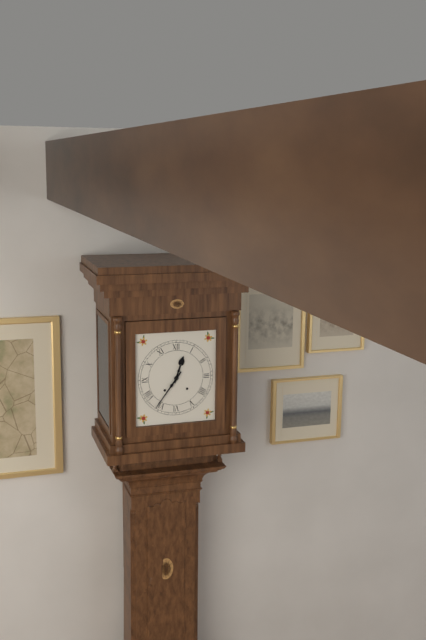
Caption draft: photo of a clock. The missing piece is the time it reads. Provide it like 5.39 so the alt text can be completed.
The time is 12.36
